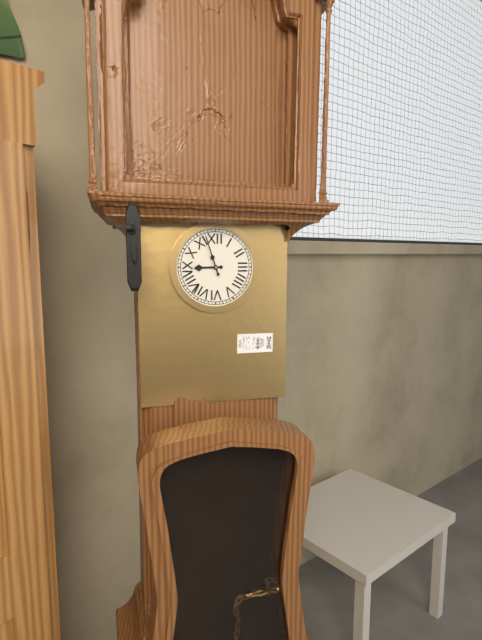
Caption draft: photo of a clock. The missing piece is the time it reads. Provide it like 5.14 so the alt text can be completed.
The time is 8.57
